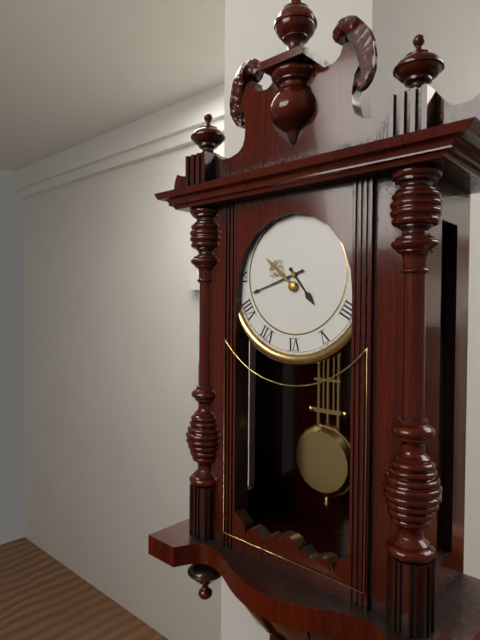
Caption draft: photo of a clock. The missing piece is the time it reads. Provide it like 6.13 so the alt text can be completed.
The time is 4.42
